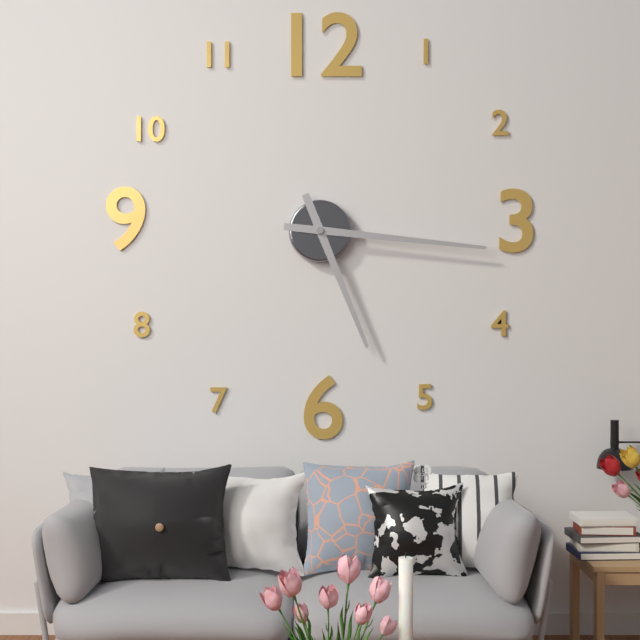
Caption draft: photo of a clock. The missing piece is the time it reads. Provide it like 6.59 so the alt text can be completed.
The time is 5.16
